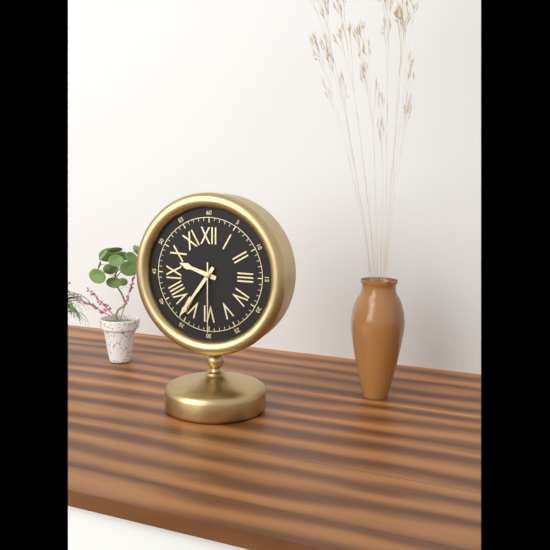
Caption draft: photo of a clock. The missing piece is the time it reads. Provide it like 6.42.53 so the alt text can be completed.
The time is 9.36.30
